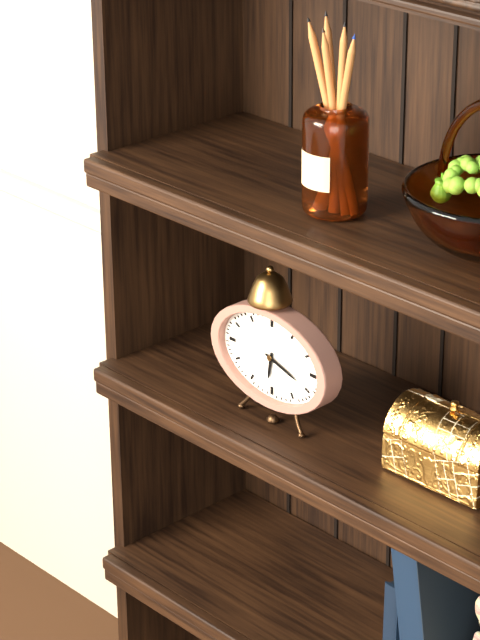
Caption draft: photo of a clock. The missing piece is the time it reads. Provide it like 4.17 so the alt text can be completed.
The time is 6.18
